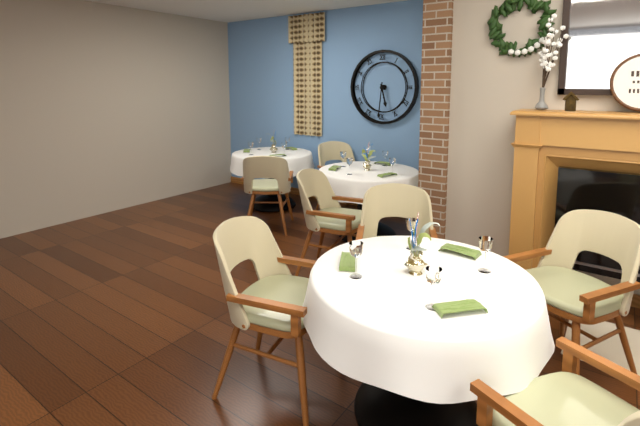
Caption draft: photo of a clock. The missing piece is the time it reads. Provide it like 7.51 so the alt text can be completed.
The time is 5.31
